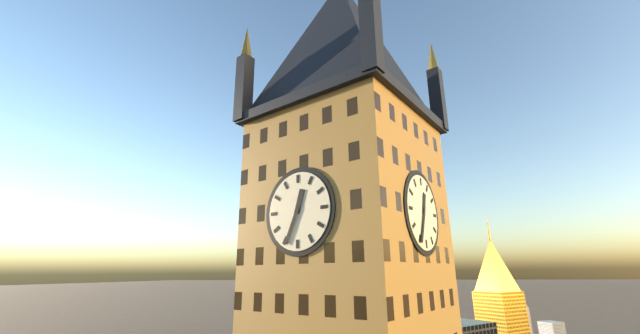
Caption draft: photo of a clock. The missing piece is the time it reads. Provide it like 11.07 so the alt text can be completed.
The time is 12.34
